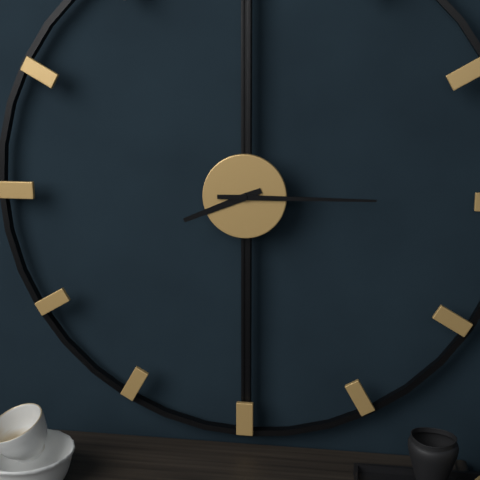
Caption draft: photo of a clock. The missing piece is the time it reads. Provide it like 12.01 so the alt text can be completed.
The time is 8.15
